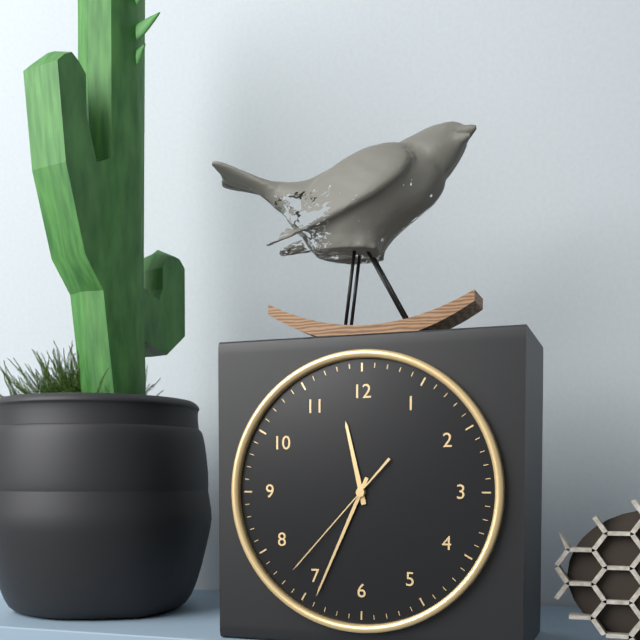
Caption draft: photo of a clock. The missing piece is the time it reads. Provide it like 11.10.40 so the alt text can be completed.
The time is 11.34.37
